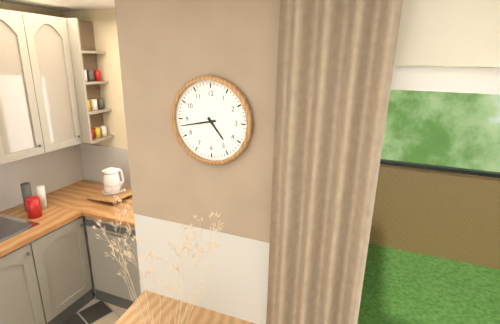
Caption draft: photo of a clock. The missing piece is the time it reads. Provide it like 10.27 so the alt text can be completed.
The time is 4.43
